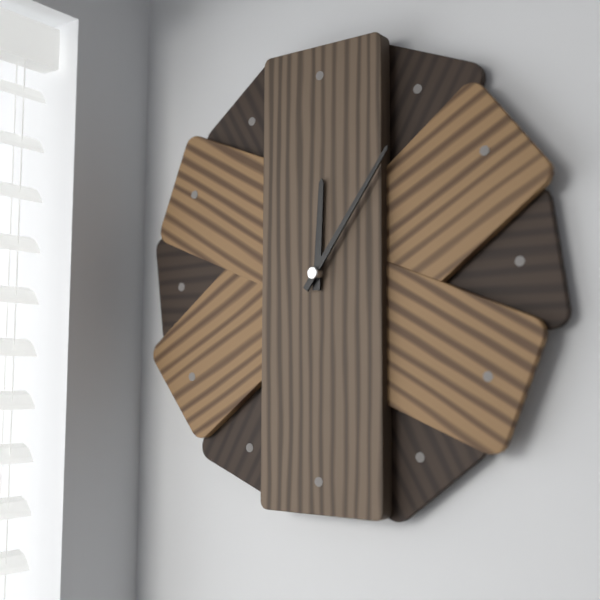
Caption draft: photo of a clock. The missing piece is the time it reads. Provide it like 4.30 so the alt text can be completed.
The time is 12.06
